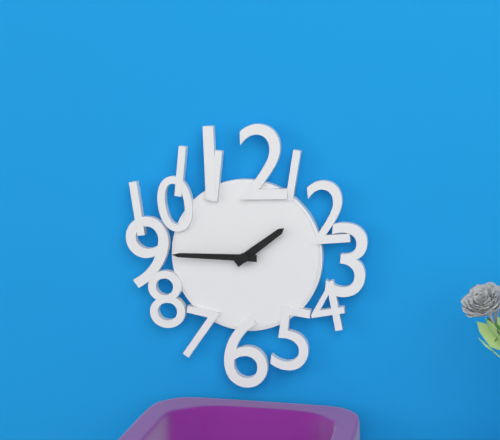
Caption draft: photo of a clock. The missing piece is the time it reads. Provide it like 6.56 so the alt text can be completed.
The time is 1.45
